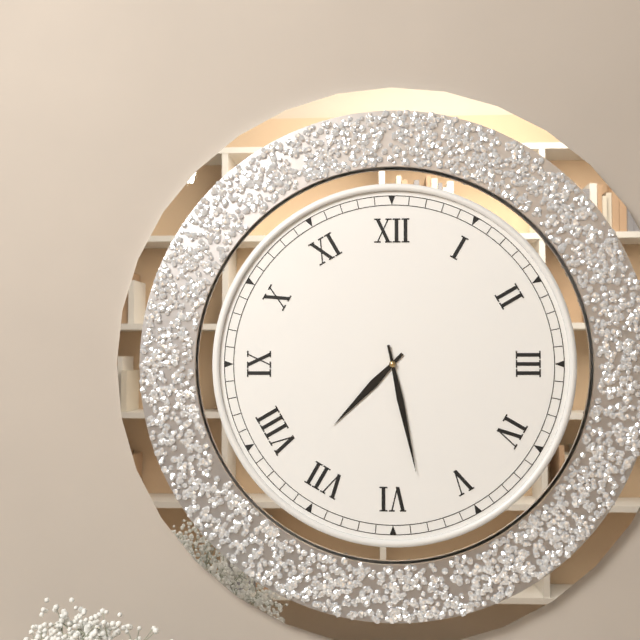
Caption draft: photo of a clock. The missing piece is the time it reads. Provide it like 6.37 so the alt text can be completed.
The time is 7.28
